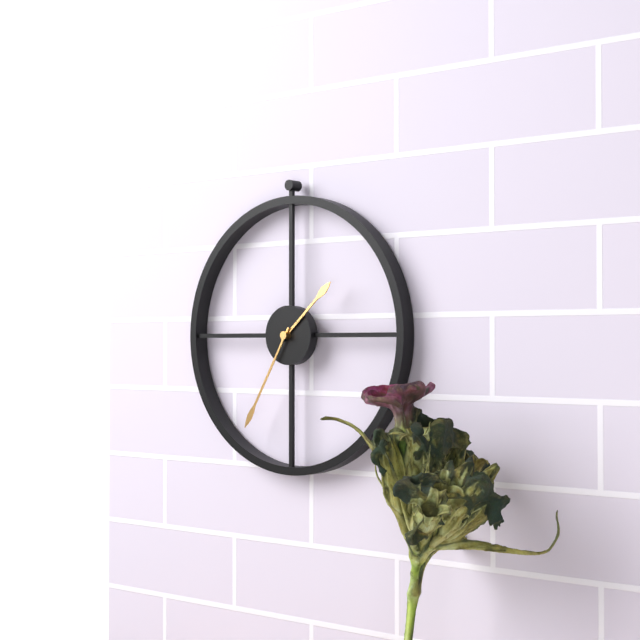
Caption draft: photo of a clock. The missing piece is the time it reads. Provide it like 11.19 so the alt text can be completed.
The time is 1.35
